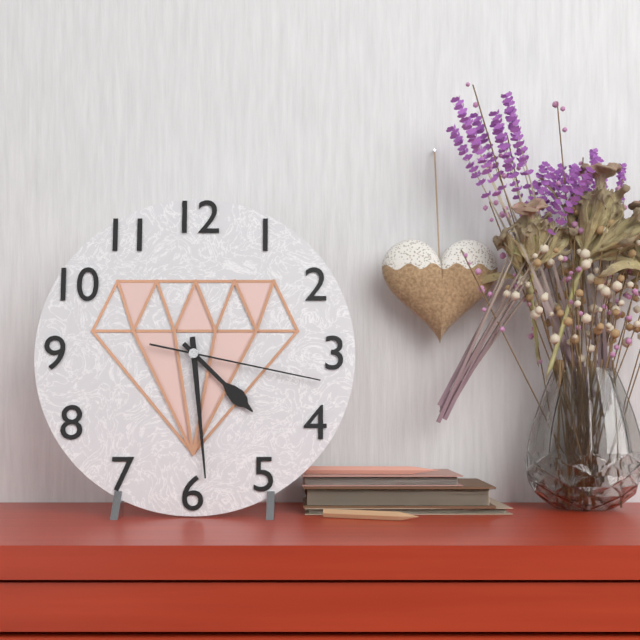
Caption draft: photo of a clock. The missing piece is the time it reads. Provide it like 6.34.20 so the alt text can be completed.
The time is 4.29.17
